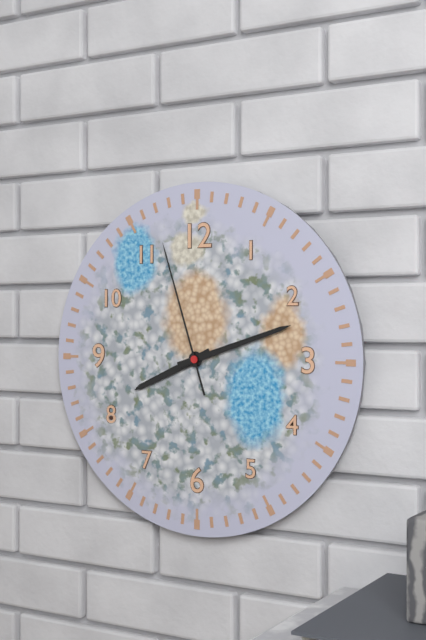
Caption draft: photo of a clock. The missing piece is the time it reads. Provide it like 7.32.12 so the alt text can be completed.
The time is 8.12.57
